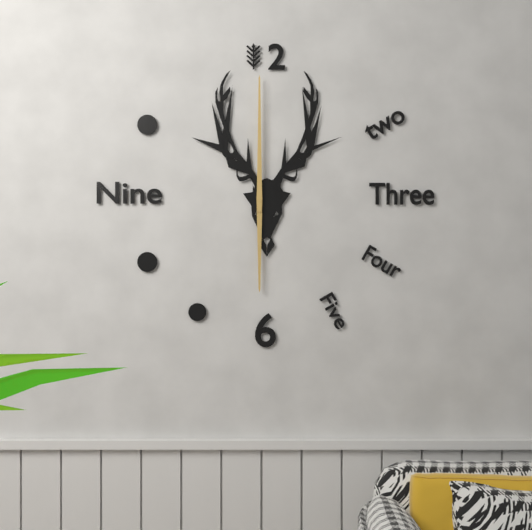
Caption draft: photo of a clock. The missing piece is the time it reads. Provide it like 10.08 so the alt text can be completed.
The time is 6.00
